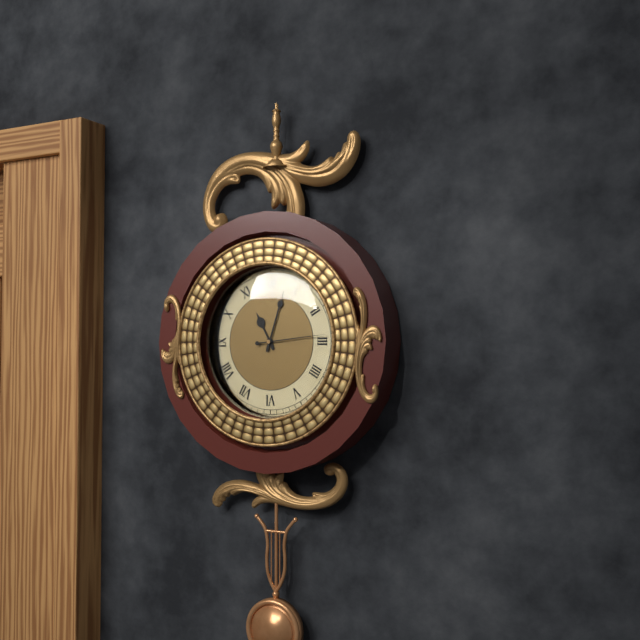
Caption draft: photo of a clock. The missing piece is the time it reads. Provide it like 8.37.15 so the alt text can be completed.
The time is 11.03.14
